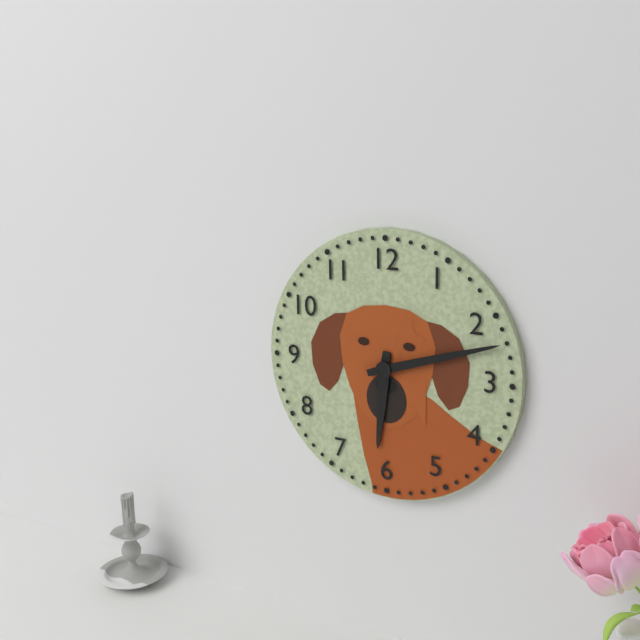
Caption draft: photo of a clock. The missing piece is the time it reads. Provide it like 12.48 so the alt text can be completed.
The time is 6.12
